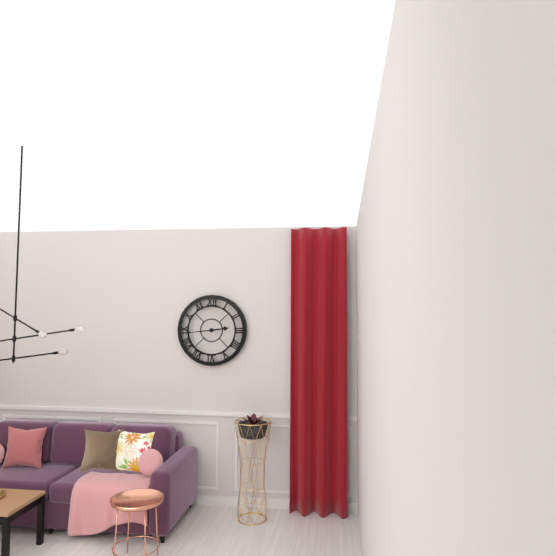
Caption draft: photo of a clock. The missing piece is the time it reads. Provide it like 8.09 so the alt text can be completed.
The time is 2.44
